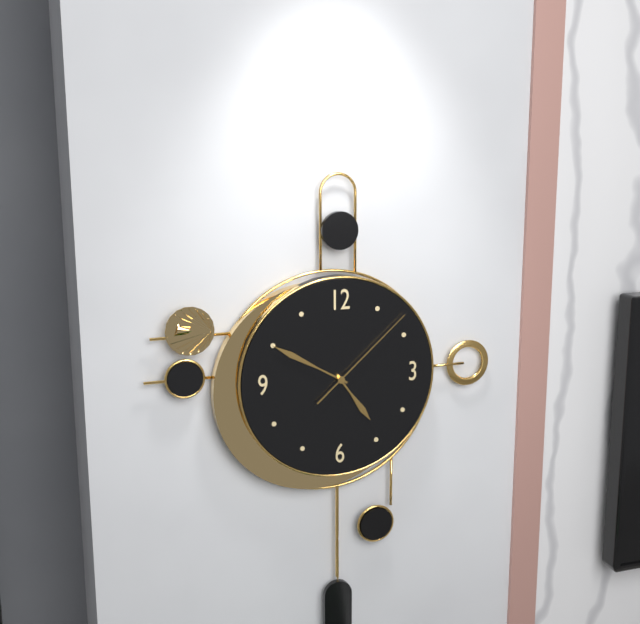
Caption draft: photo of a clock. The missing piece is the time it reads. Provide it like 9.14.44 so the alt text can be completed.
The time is 4.50.08
